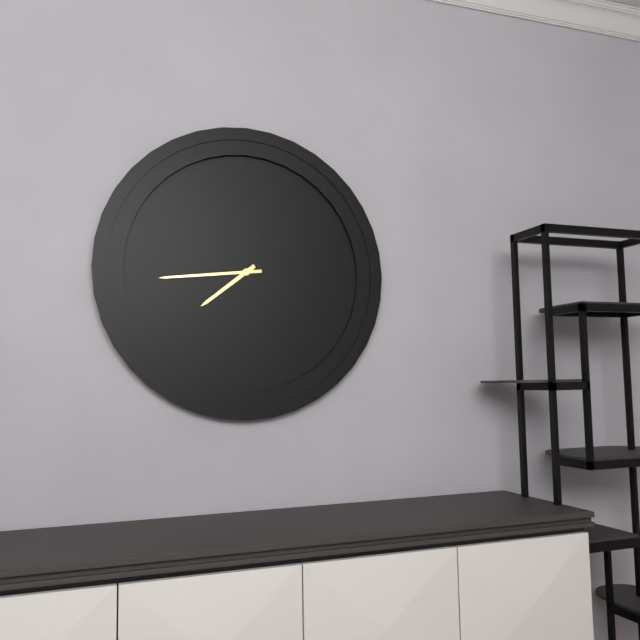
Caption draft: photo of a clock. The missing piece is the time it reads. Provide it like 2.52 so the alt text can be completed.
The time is 7.44
